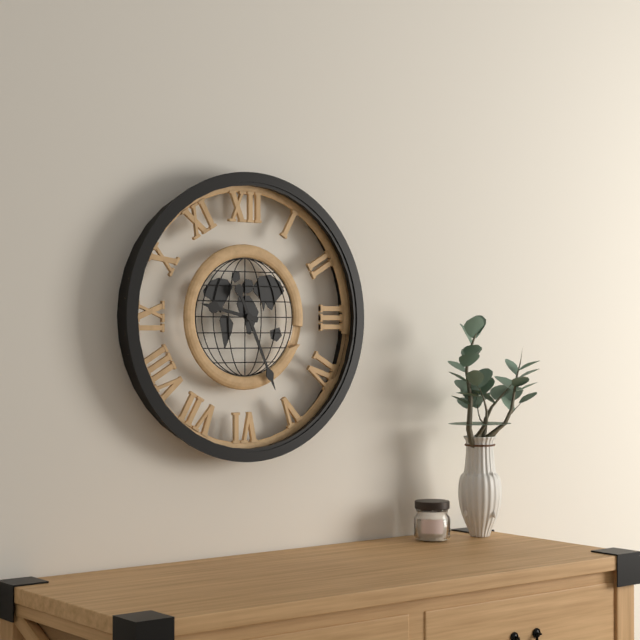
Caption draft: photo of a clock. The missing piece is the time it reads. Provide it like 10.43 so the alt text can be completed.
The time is 9.26
